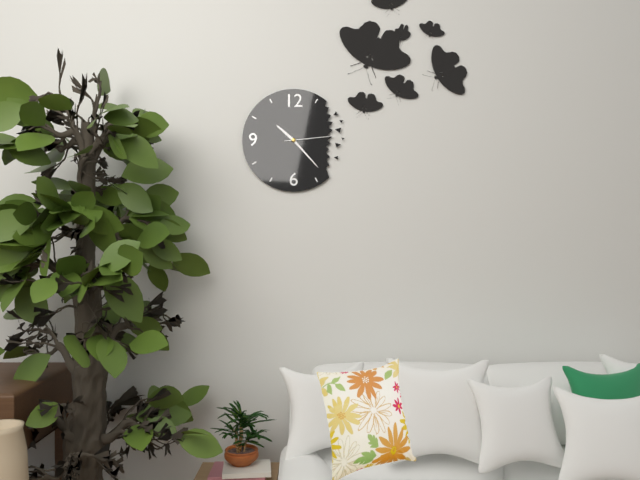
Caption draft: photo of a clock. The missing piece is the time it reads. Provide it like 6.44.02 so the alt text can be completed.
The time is 10.23.14
